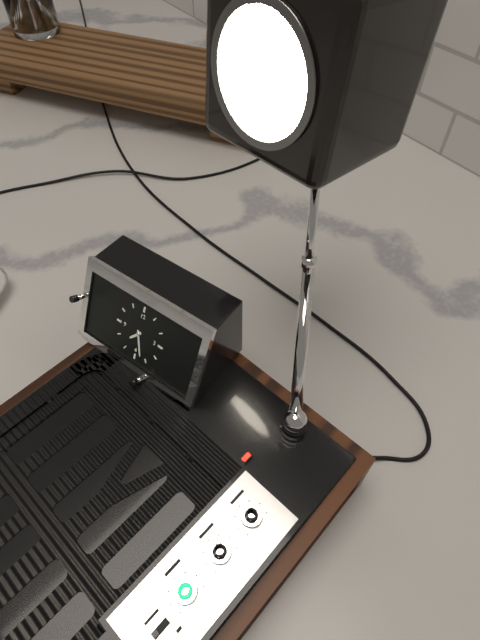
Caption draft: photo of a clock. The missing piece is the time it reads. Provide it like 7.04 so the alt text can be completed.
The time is 7.27
